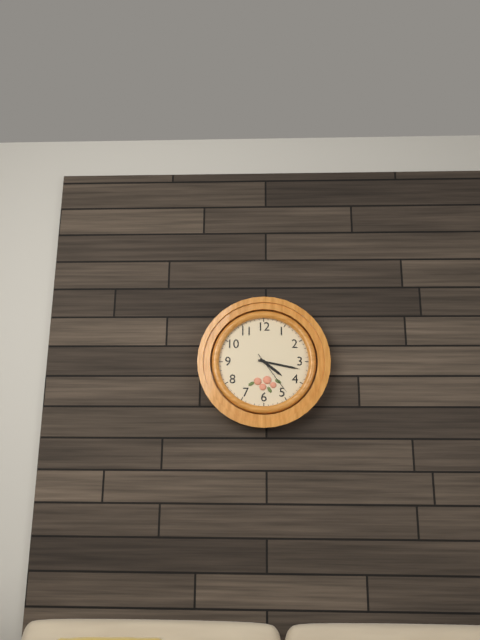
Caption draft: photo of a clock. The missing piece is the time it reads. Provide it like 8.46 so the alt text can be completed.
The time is 4.17
